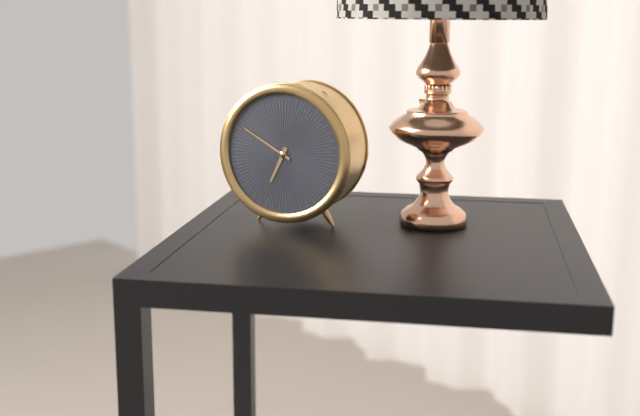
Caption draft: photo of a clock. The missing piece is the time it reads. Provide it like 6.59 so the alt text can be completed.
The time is 6.50
